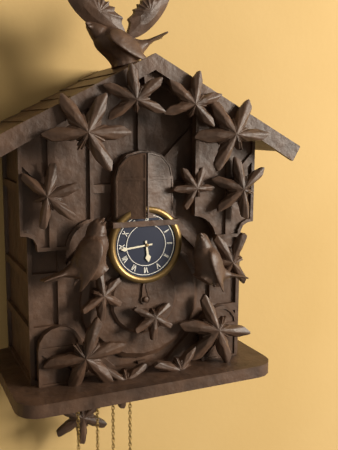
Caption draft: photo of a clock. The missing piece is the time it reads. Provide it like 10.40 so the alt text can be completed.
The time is 5.44
